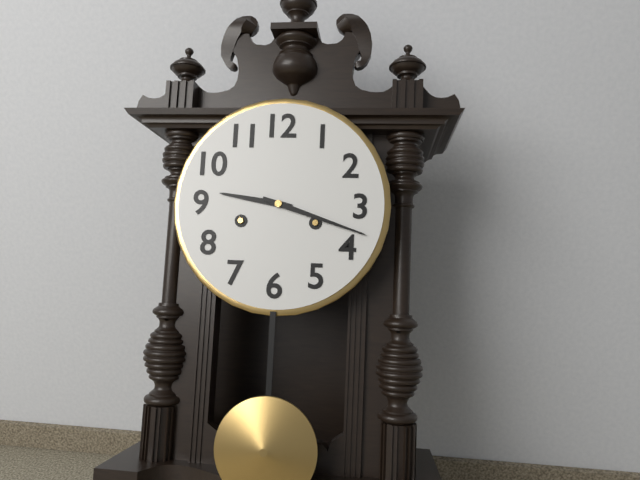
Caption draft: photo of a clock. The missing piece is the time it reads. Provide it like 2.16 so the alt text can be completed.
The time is 9.18
